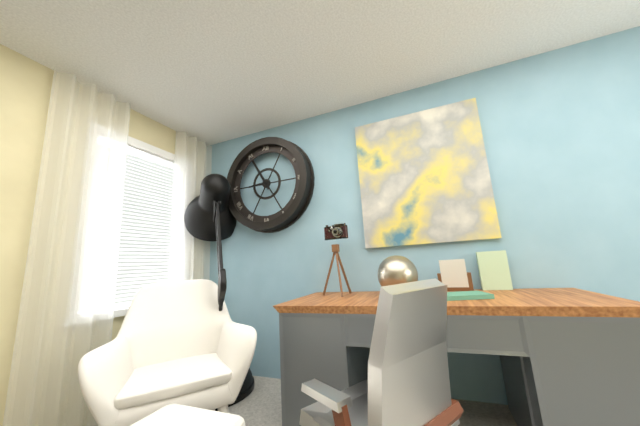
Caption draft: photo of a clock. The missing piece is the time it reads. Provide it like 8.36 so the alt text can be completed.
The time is 8.55
